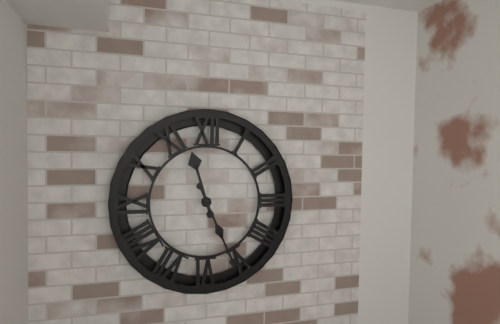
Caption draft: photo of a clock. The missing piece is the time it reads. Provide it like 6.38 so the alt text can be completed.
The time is 11.26
